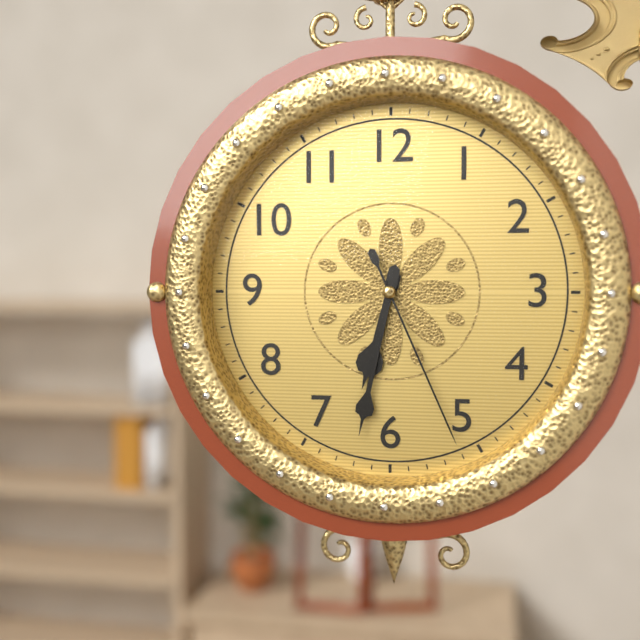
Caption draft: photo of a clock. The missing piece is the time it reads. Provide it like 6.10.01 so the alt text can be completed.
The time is 6.32.26
